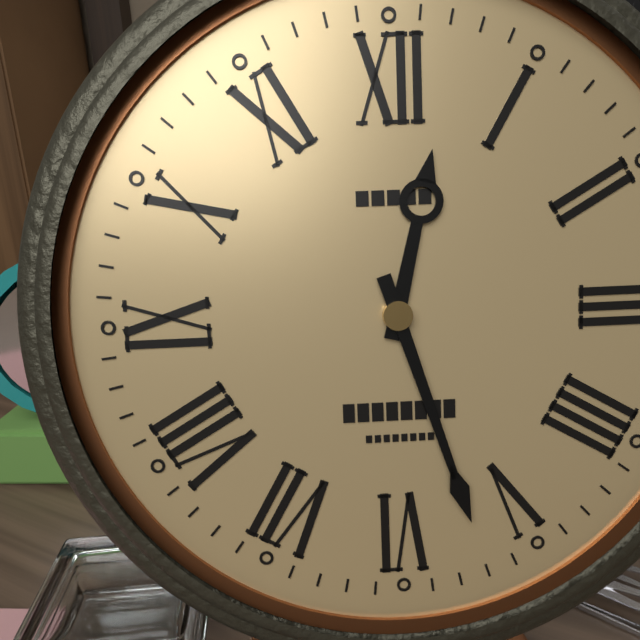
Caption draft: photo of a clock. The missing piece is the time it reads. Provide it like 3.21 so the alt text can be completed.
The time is 12.27
